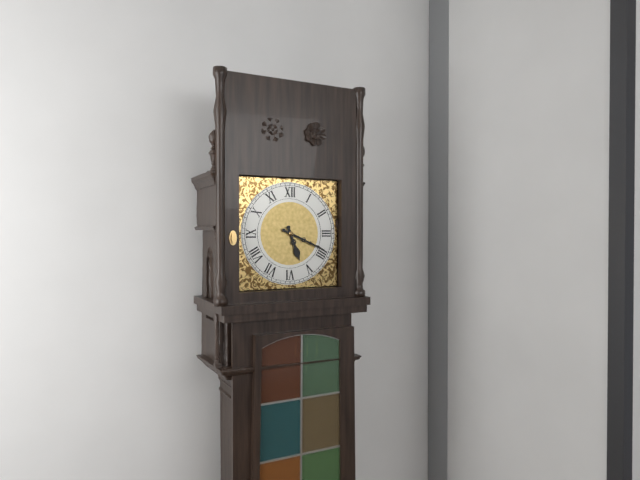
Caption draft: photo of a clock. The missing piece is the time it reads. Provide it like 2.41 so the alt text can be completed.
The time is 5.19
